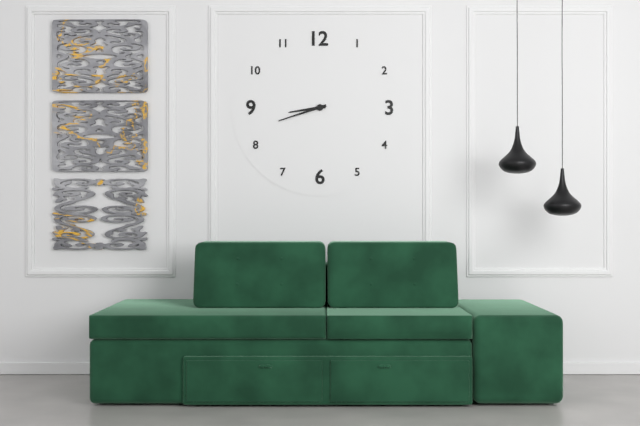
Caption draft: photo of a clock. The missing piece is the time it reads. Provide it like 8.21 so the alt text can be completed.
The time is 8.42
